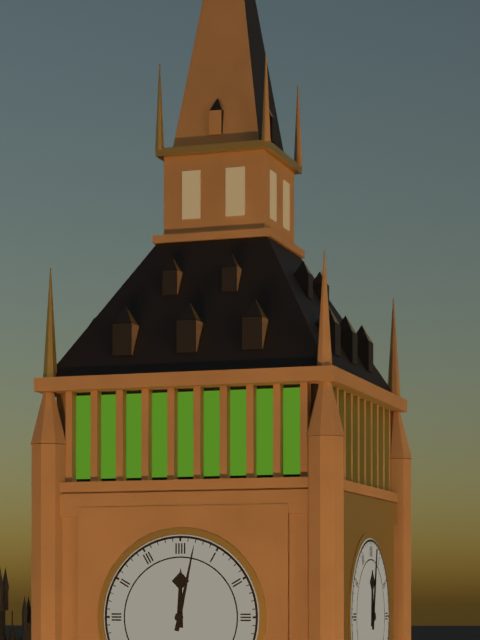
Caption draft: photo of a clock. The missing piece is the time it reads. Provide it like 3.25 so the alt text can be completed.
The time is 12.02
